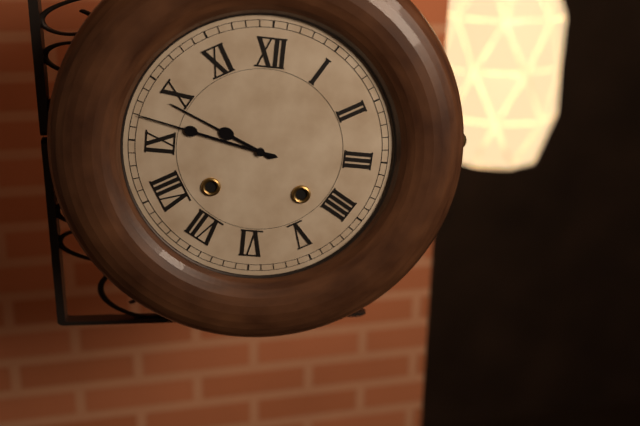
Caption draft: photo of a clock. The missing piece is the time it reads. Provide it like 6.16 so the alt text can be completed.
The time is 9.47
